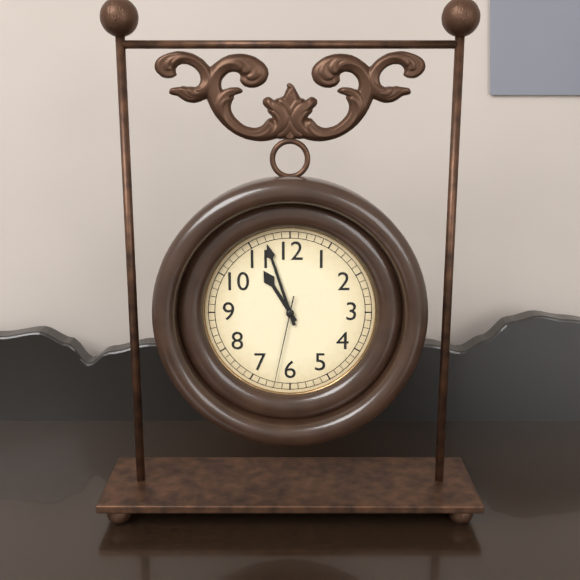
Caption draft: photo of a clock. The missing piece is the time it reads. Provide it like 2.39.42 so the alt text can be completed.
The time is 10.57.32
